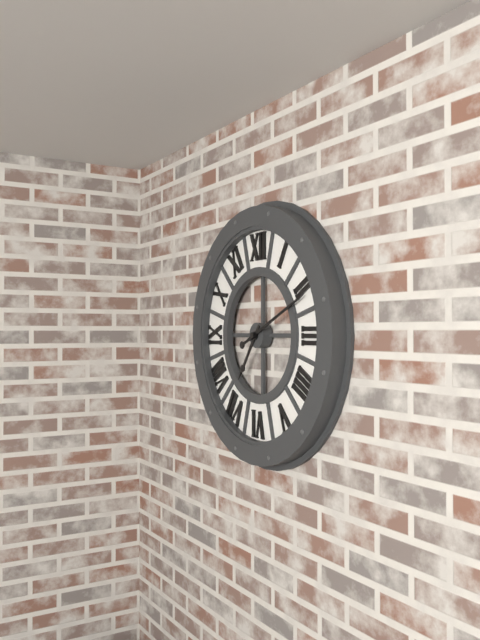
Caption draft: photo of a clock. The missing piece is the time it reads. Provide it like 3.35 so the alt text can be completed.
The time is 7.11
